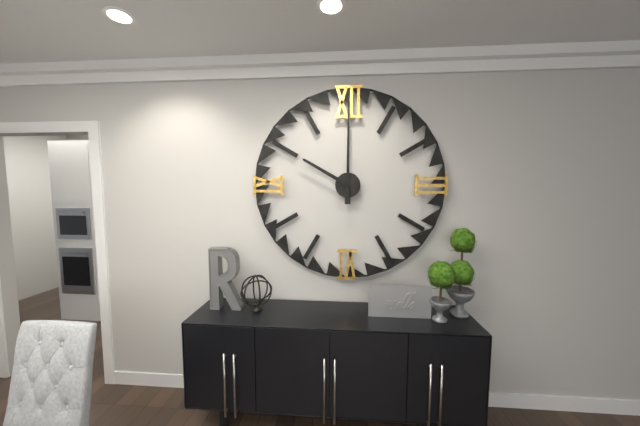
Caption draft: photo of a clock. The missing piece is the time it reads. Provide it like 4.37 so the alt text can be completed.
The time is 10.00
